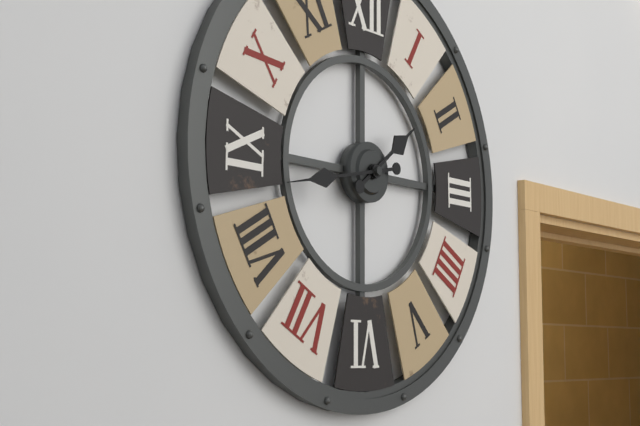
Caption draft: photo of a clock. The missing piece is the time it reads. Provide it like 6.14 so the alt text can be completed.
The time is 1.43
